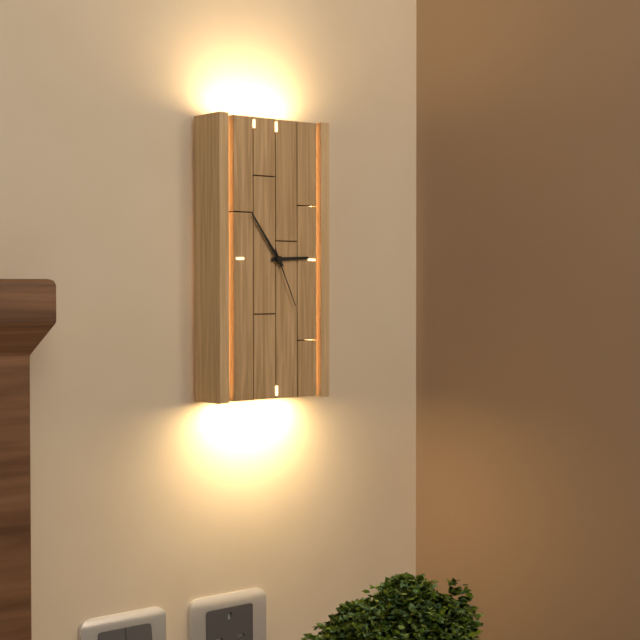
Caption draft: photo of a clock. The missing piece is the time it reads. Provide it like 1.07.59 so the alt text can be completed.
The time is 2.54.26
